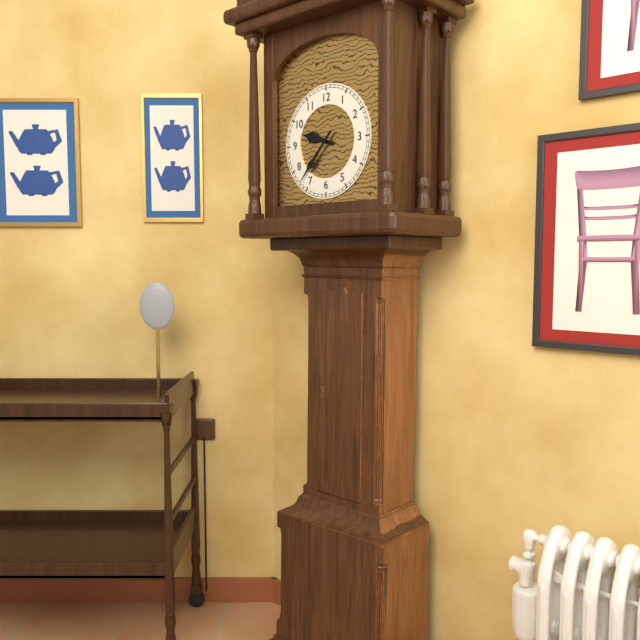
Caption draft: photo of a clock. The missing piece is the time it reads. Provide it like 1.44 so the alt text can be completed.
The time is 9.37
